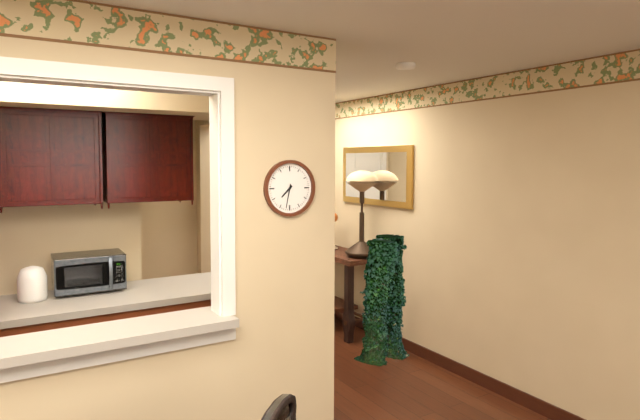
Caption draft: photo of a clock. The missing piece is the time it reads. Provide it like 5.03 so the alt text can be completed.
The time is 7.32
